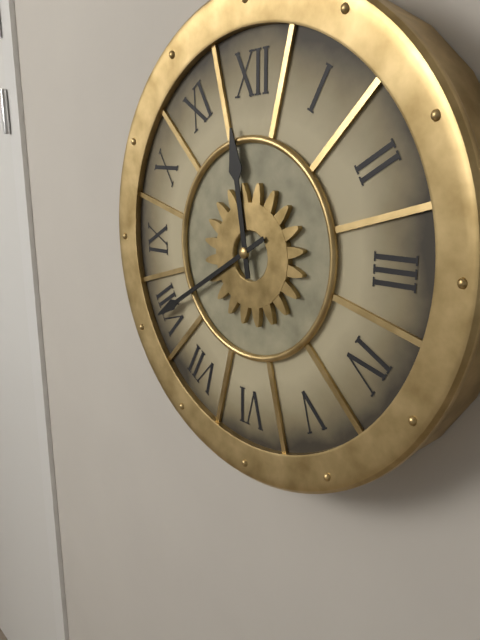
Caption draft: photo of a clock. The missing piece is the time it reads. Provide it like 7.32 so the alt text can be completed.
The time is 11.40
